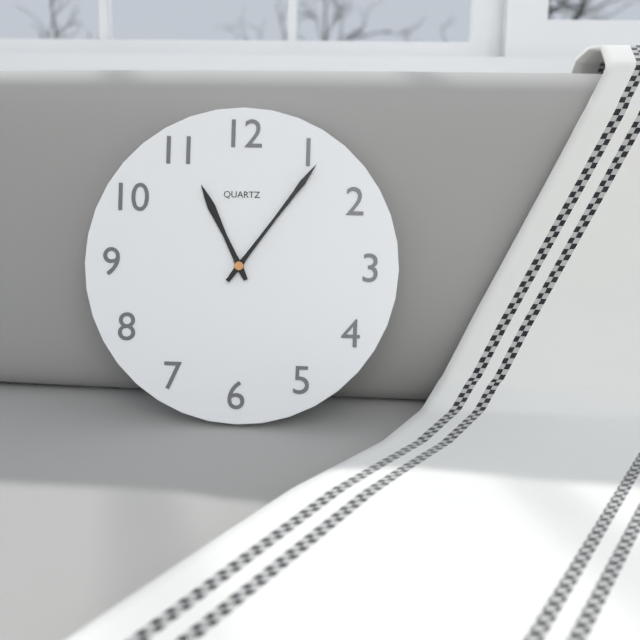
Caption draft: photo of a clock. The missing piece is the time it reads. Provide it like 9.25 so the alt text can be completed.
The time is 11.06
